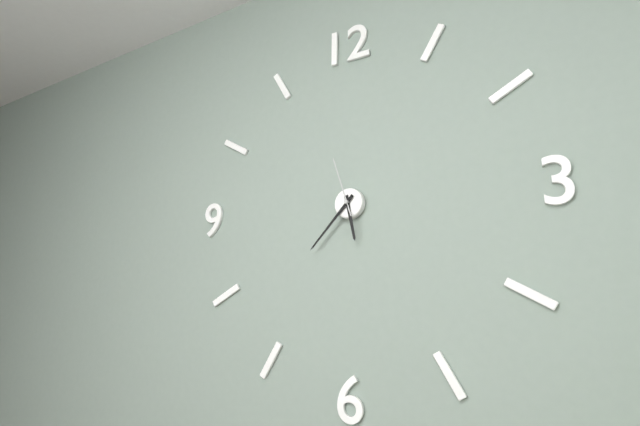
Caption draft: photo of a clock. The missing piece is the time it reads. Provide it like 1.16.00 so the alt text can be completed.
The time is 5.37.57
